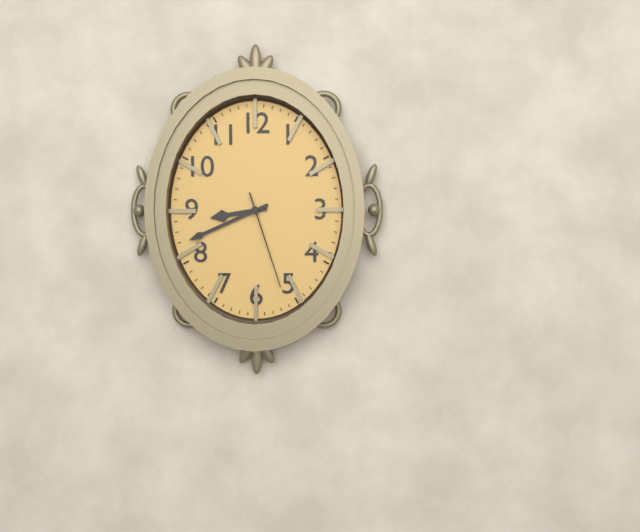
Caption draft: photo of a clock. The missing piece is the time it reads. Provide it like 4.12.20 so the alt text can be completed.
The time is 8.41.27
